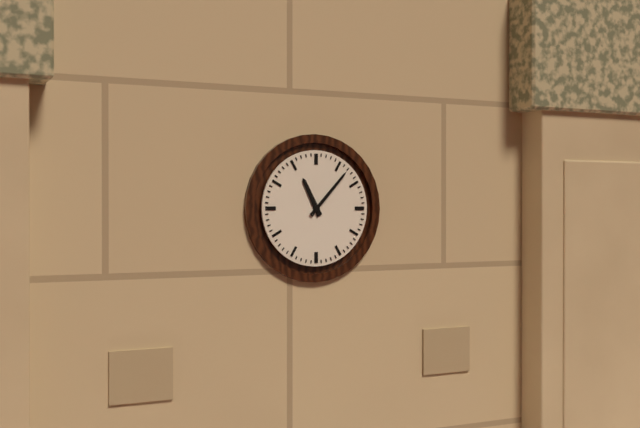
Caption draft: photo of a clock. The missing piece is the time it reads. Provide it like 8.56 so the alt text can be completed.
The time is 11.07
